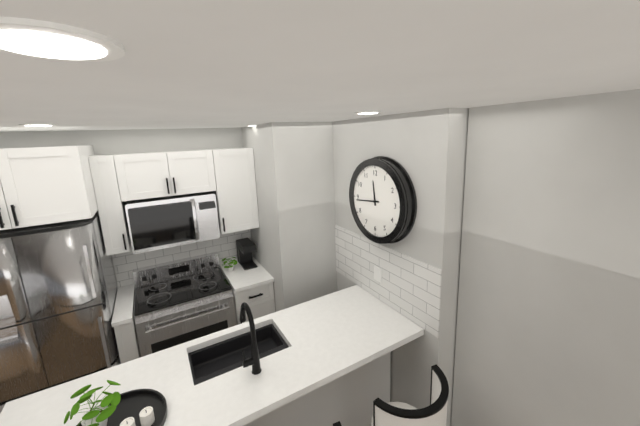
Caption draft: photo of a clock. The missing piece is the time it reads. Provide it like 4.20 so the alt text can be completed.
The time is 11.44
